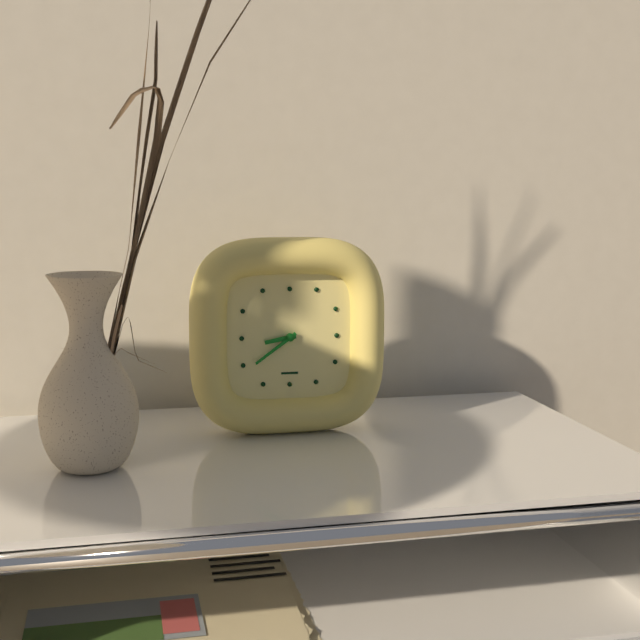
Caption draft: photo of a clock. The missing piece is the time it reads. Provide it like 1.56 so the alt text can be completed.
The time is 8.39
